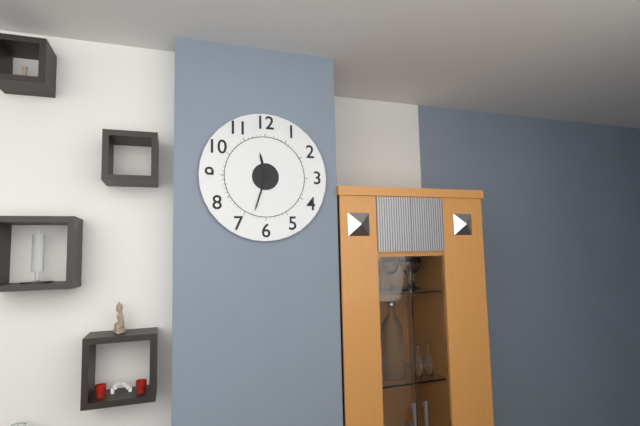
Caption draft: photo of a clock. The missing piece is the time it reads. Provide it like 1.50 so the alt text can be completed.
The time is 11.33
